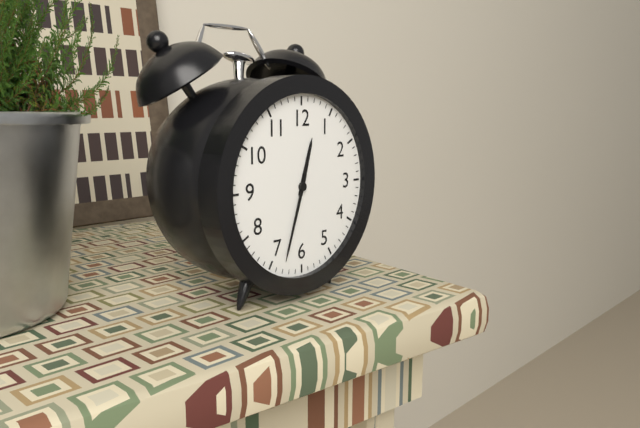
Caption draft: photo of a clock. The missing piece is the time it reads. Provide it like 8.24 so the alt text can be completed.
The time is 12.33
